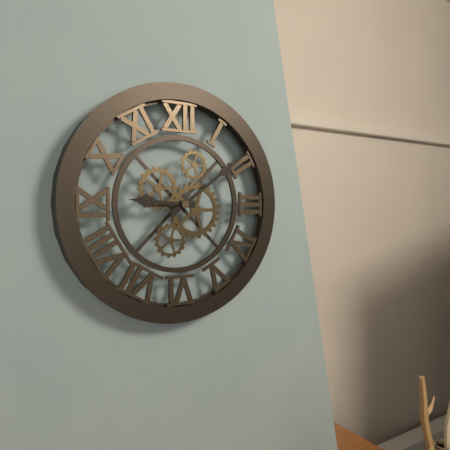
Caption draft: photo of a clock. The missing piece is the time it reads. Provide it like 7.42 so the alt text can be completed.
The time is 9.09
